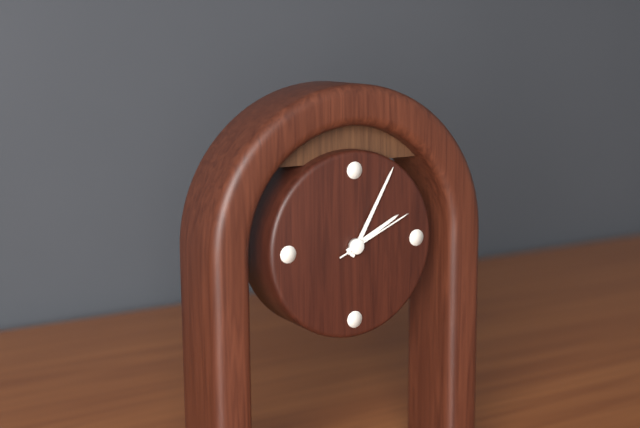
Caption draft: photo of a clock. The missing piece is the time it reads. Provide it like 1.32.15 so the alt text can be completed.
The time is 2.05.11
